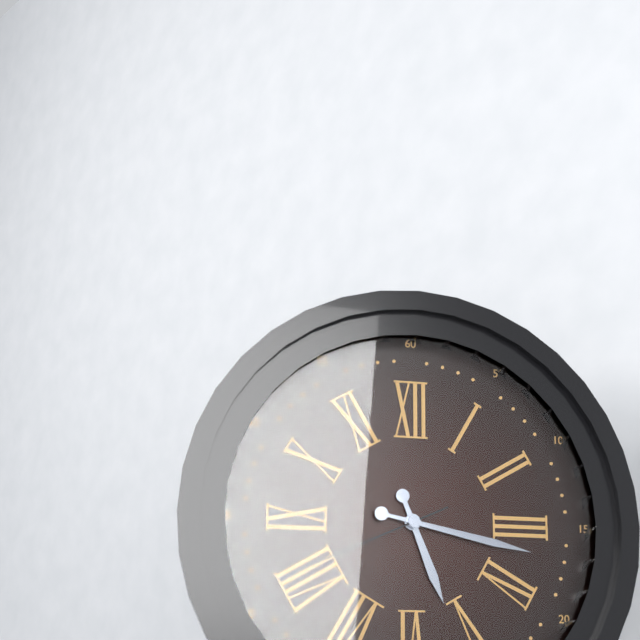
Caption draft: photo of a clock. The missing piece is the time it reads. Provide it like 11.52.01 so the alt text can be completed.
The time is 5.17.41
